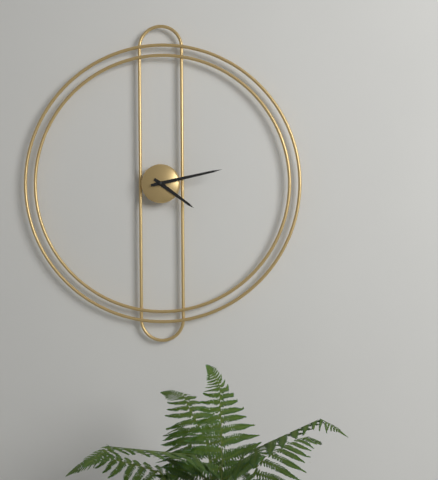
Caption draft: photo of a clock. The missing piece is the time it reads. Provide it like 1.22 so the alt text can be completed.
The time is 4.13
